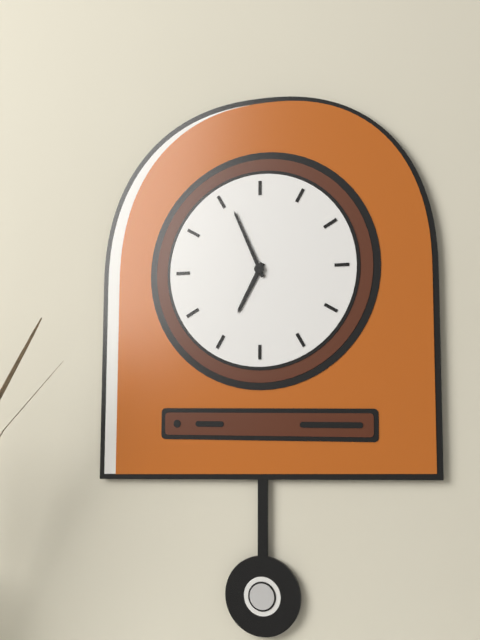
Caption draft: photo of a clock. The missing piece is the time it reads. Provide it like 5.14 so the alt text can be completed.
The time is 6.56
